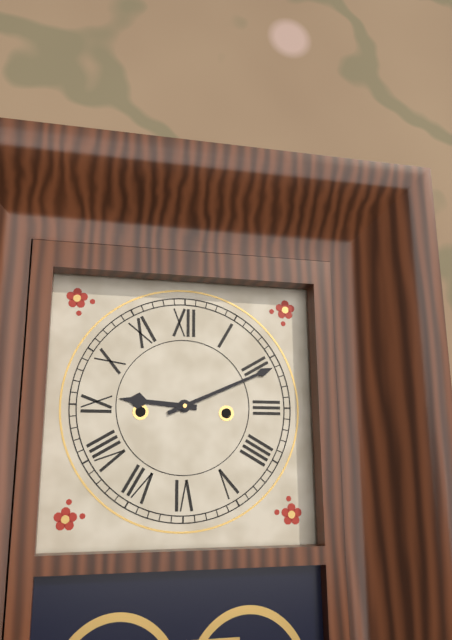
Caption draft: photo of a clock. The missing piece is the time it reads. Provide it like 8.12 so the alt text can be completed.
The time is 9.11
